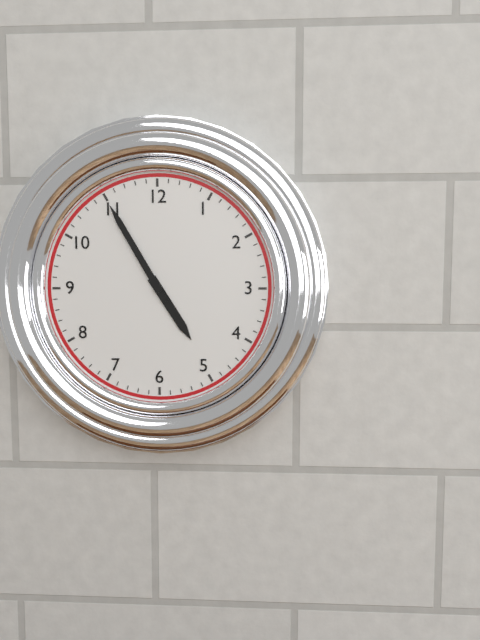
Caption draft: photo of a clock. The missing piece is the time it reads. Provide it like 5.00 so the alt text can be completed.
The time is 4.55
